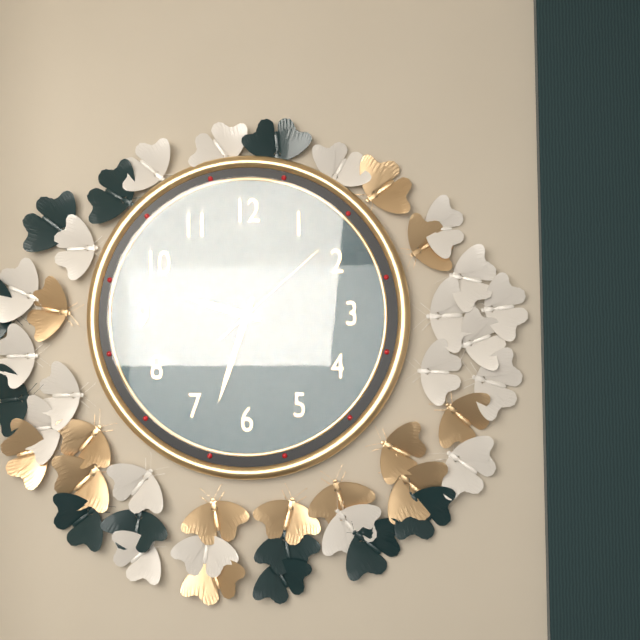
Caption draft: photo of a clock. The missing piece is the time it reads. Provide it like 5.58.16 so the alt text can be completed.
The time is 9.33.08
